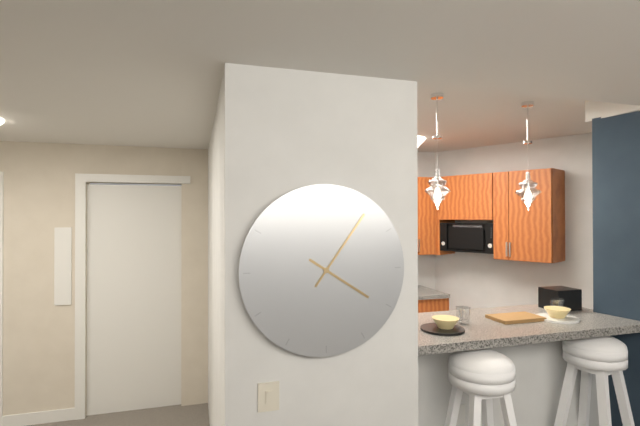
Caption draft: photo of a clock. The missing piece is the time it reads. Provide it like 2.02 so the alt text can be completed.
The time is 4.06
